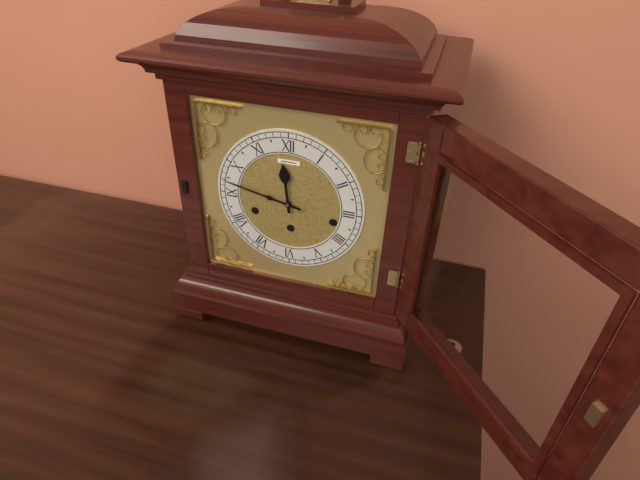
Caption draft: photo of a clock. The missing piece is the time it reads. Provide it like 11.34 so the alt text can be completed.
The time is 11.47
